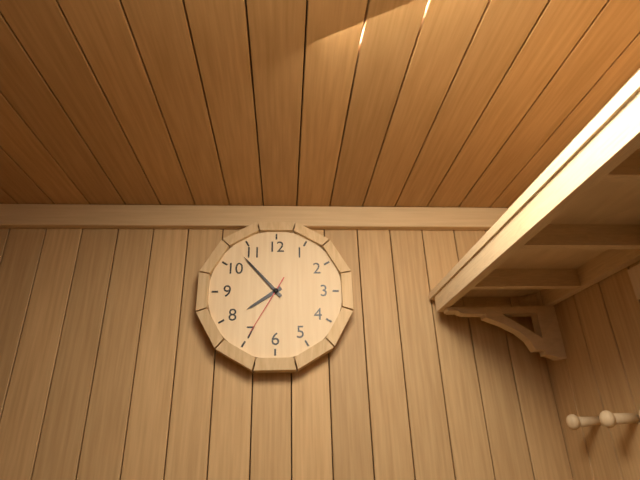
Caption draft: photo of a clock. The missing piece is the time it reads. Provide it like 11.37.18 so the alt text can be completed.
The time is 7.53.35
